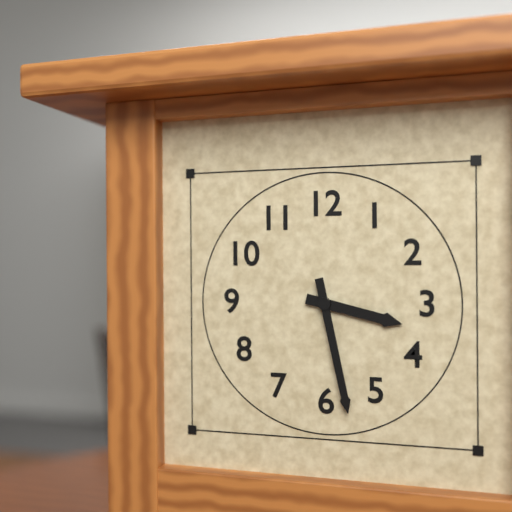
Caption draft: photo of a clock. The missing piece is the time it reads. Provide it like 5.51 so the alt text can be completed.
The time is 3.28
